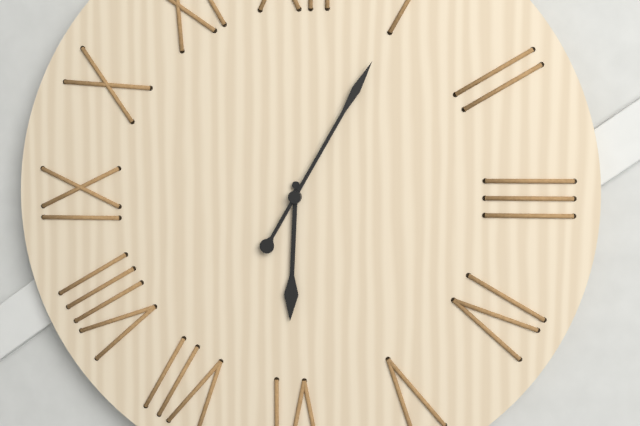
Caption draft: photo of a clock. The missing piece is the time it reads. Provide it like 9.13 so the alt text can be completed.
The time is 6.05
